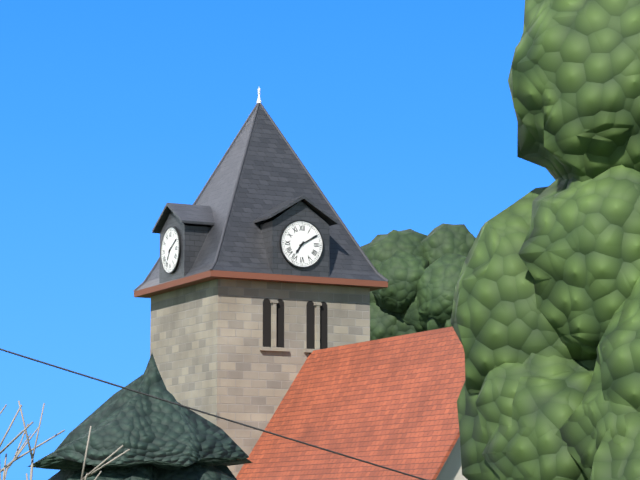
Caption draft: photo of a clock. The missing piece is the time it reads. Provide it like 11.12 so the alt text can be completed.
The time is 7.10
